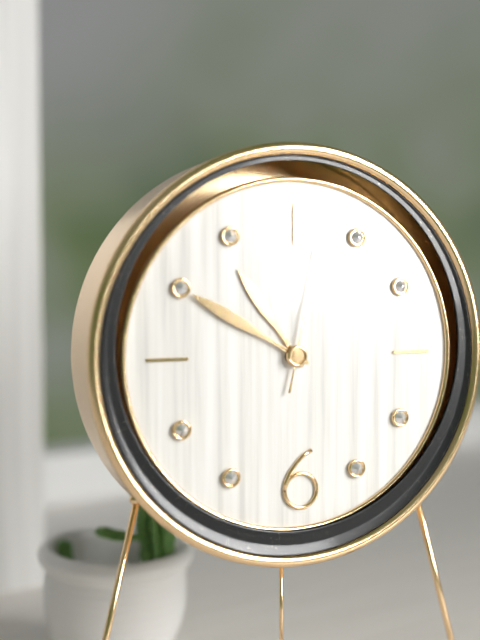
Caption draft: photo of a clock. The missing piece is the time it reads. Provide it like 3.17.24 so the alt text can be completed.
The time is 10.50.02
